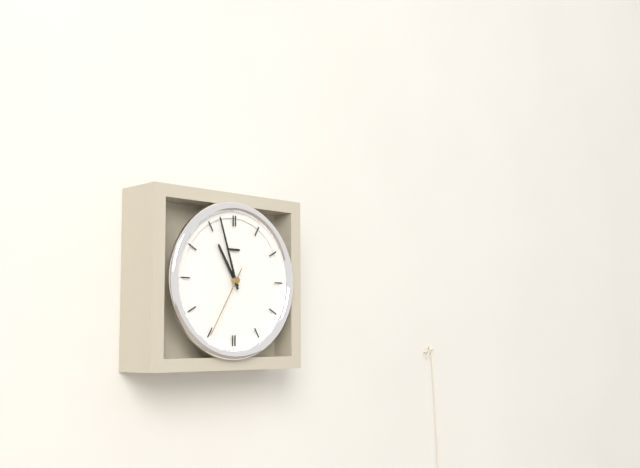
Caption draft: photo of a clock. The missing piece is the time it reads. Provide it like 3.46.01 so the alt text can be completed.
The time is 10.57.35
